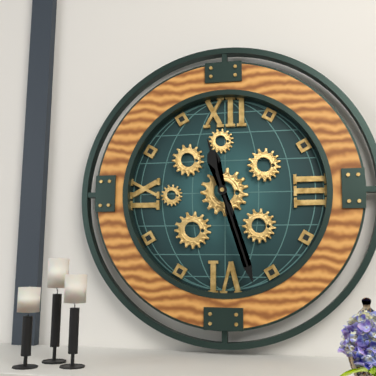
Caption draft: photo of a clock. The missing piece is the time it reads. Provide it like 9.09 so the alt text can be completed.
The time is 11.27
